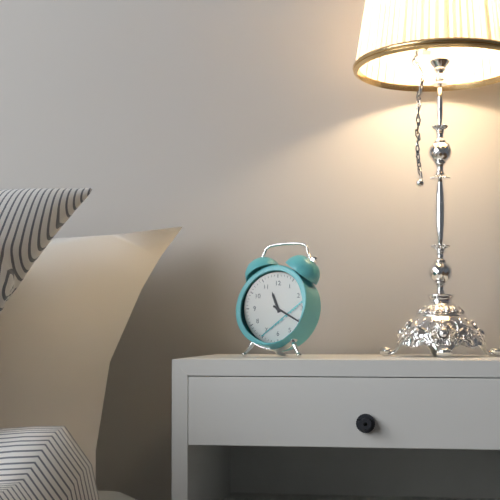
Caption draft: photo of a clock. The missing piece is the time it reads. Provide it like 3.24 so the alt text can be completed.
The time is 11.20
